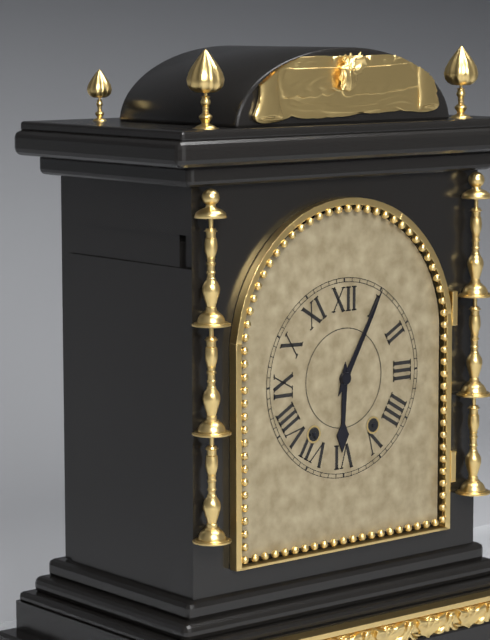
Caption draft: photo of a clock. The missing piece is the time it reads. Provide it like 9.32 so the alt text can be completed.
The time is 6.05
